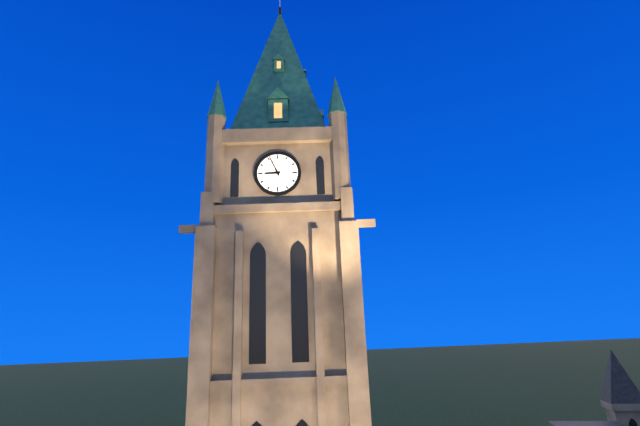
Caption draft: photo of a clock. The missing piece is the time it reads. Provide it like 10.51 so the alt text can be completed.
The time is 8.56
